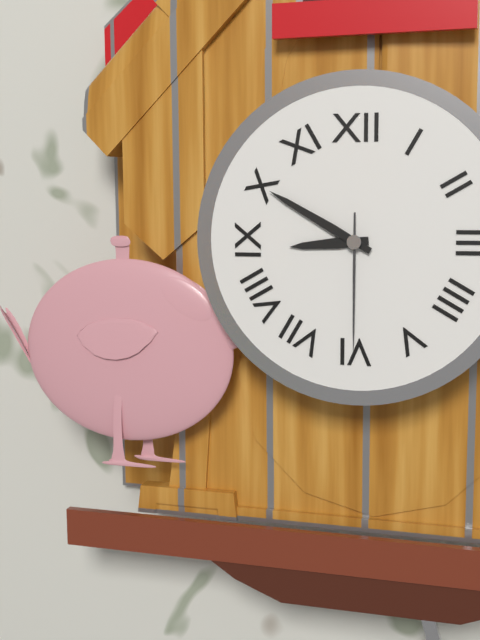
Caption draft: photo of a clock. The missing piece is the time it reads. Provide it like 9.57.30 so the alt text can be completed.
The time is 8.50.30
